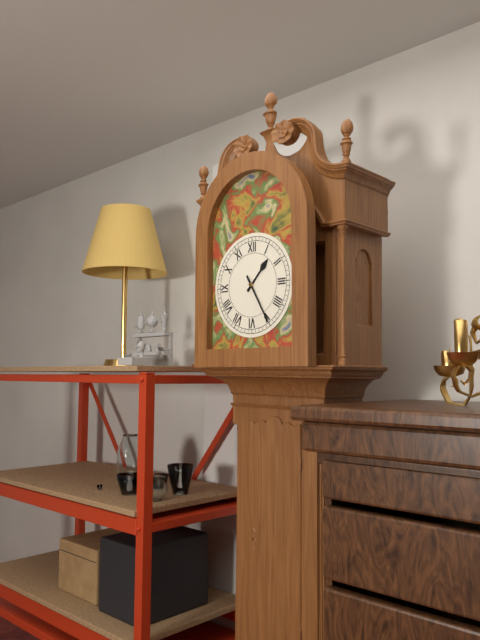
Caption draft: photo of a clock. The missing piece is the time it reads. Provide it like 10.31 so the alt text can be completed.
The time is 1.25
